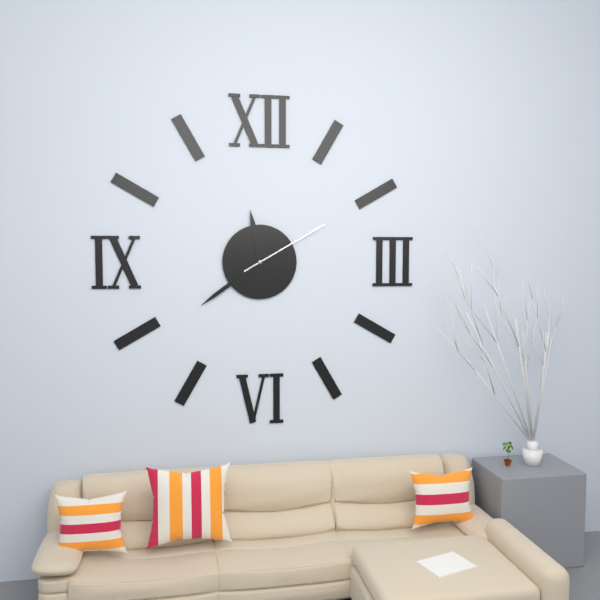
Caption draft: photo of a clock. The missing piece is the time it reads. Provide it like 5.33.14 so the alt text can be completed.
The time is 11.39.10
